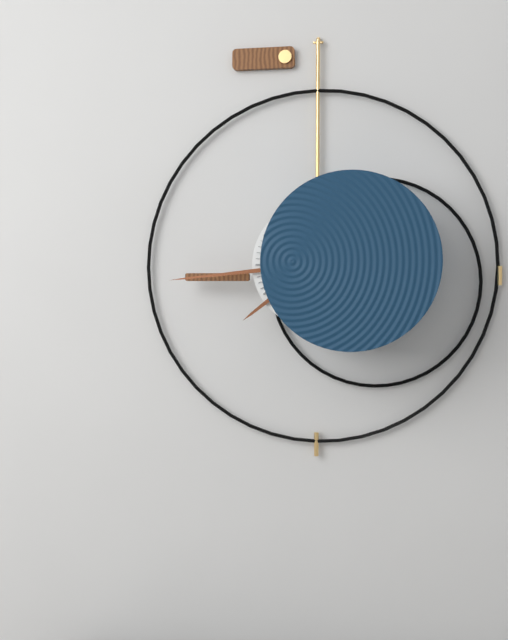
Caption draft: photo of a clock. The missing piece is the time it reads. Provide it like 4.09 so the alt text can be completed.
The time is 7.44
